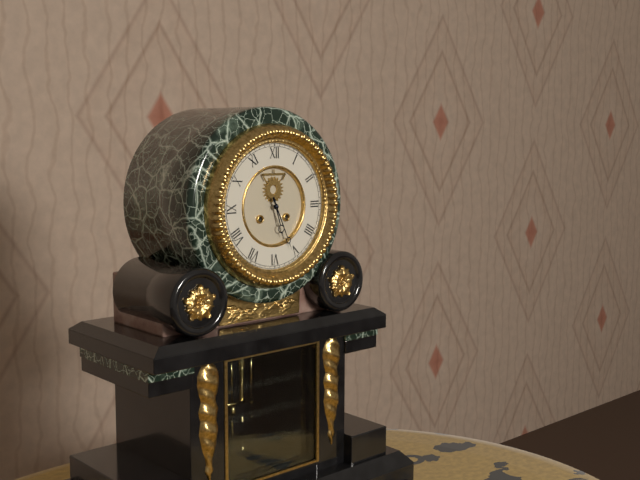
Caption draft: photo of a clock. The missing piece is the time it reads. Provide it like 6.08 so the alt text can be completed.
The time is 5.26
